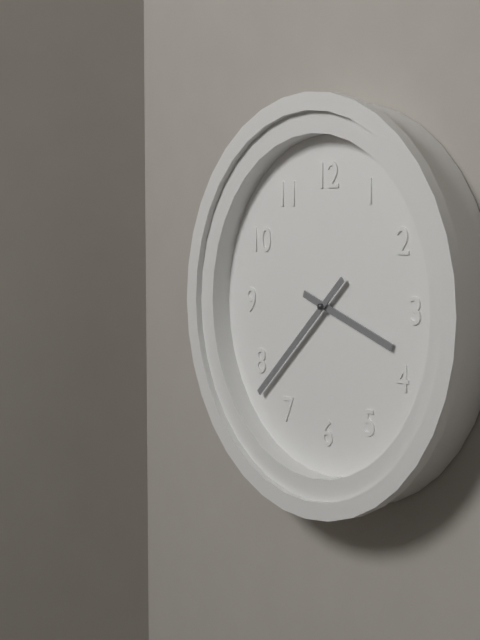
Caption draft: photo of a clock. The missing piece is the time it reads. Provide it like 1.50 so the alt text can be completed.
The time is 3.38
